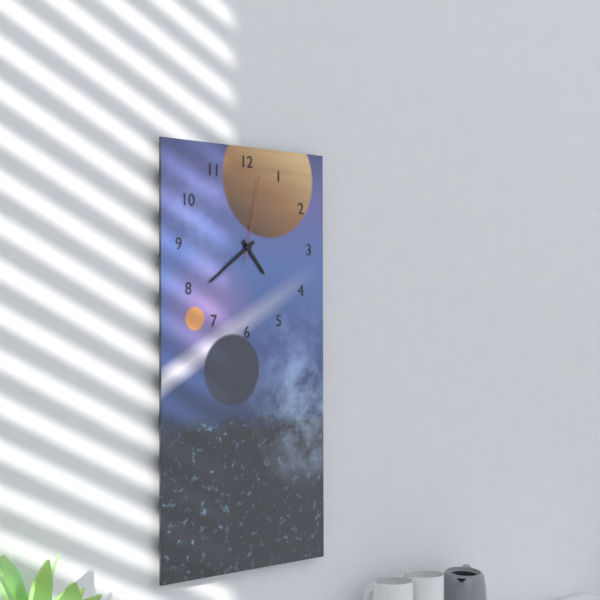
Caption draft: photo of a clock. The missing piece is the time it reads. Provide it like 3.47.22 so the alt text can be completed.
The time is 4.39.02
